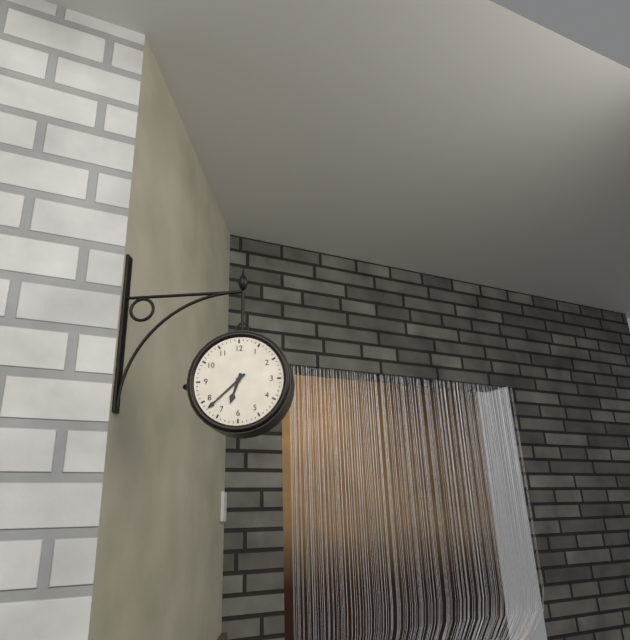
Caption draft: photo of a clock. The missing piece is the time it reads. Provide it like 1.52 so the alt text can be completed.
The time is 6.38
